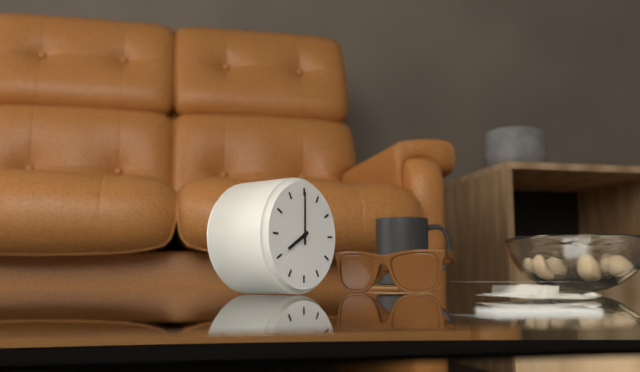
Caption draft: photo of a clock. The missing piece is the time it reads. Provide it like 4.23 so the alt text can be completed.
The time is 8.00
